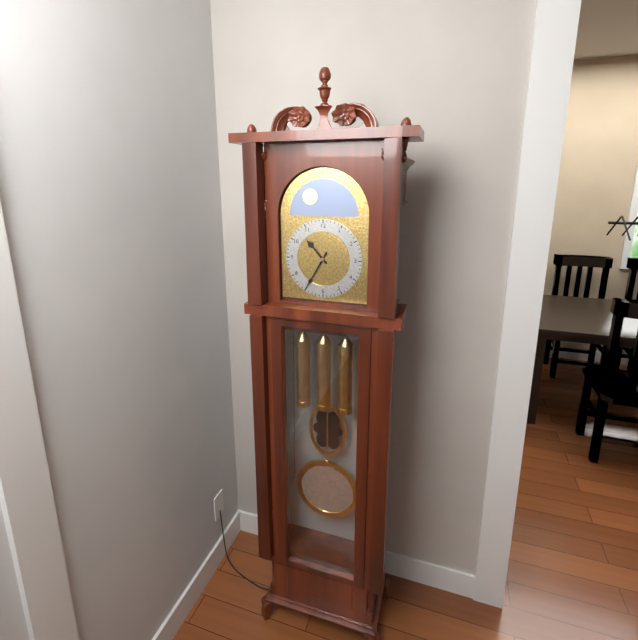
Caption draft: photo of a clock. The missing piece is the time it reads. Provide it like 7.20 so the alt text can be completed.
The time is 10.35
